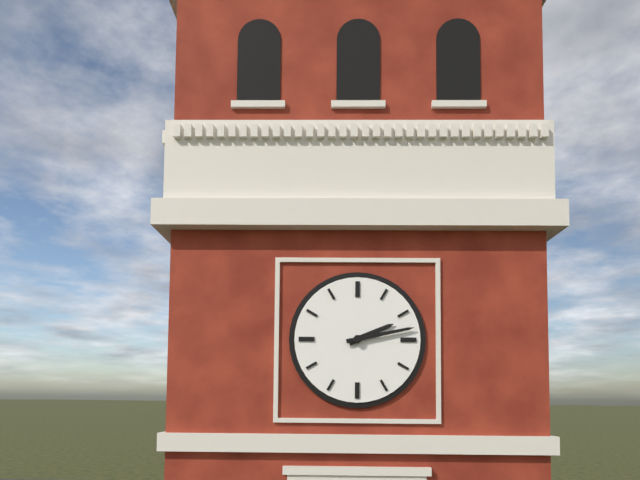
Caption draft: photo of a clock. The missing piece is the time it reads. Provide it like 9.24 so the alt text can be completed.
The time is 2.13
